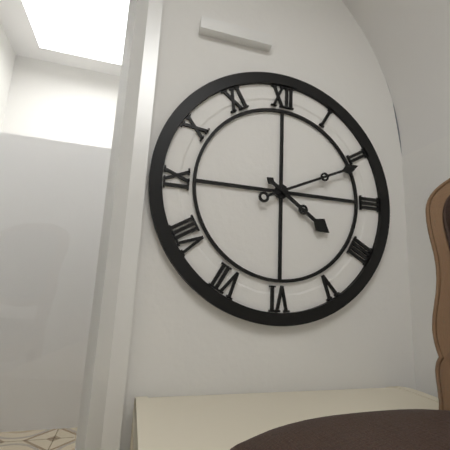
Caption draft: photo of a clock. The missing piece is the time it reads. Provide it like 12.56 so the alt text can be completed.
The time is 4.11
